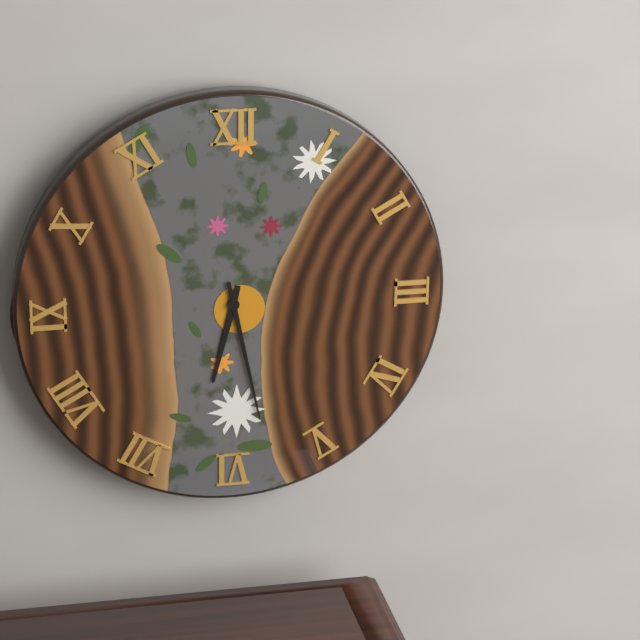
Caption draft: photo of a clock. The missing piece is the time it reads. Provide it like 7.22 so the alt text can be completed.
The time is 6.28
